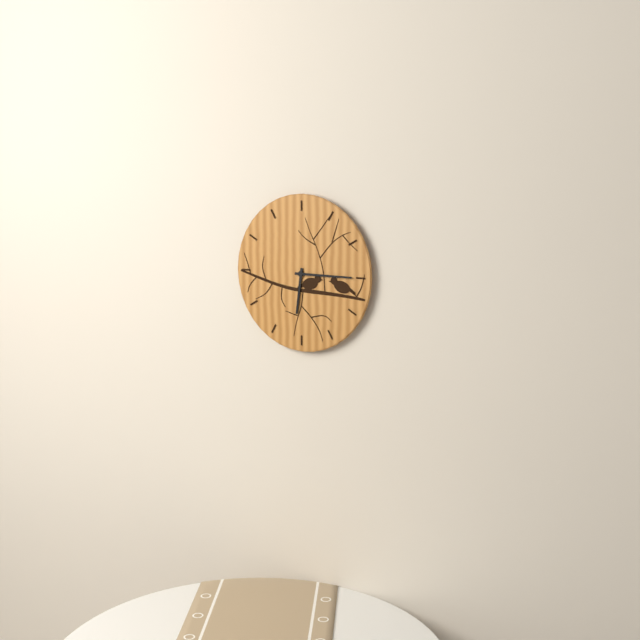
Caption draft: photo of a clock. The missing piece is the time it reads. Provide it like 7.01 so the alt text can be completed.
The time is 6.15
